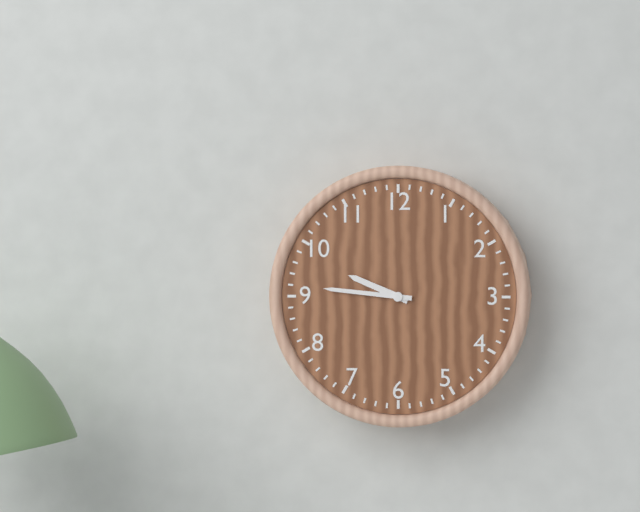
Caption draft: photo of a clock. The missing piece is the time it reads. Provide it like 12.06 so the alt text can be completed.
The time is 9.46
